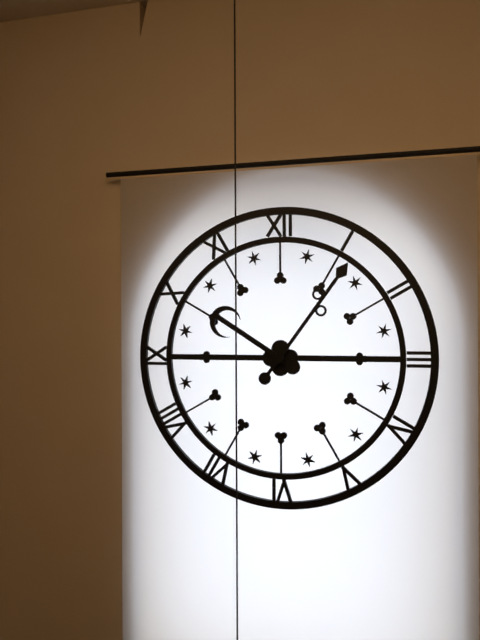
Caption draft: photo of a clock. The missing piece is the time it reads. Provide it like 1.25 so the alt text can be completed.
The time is 10.06
